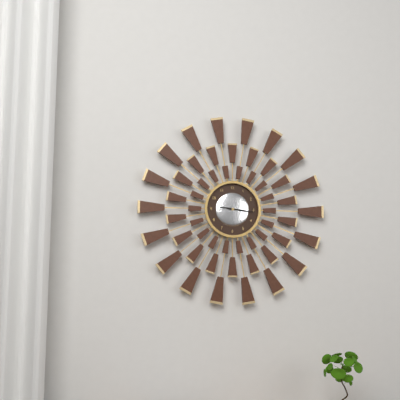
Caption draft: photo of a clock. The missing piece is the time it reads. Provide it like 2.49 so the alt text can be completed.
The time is 9.16
